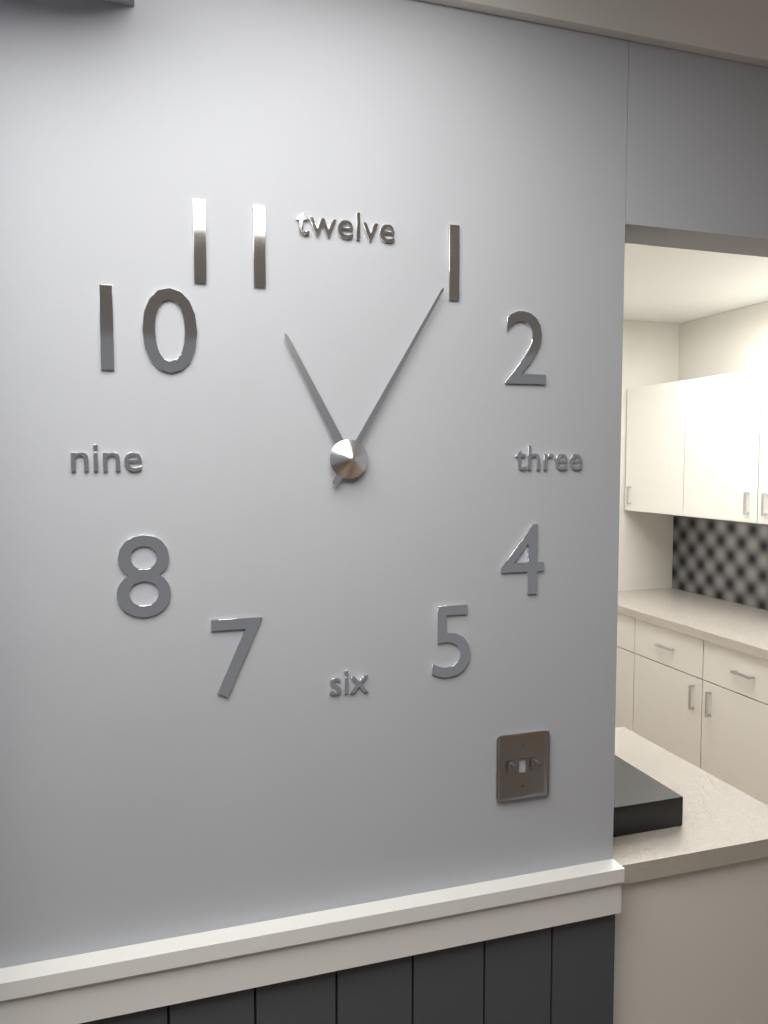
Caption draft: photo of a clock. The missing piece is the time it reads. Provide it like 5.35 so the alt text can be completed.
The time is 11.05
